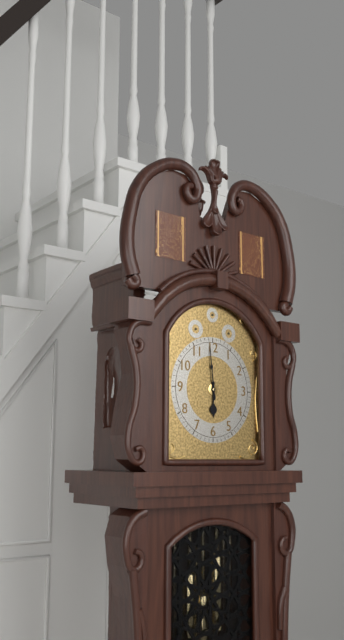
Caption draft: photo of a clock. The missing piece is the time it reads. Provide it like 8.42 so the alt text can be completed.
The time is 5.59
